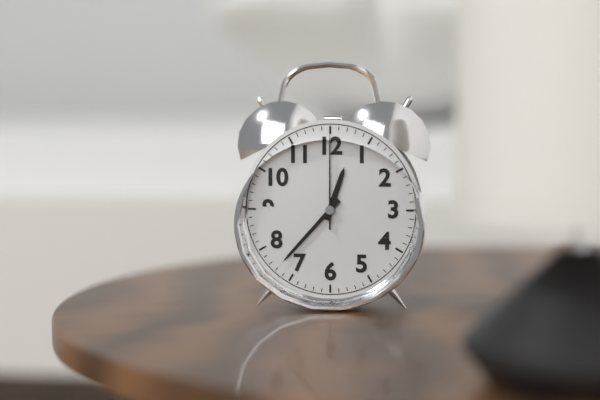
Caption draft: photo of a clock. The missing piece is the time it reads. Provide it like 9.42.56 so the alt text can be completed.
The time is 12.37.00
